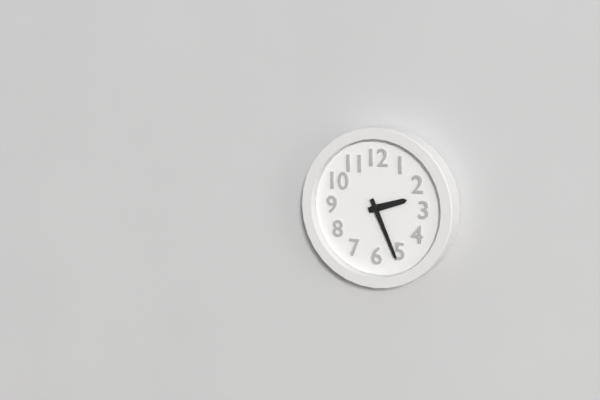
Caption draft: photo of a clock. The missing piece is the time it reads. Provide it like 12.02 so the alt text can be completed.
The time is 2.26
